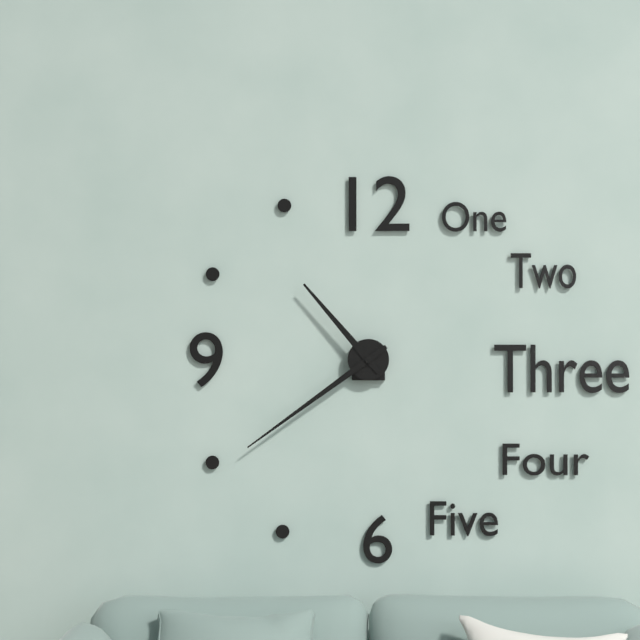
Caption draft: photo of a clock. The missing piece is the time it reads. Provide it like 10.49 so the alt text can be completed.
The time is 10.39
